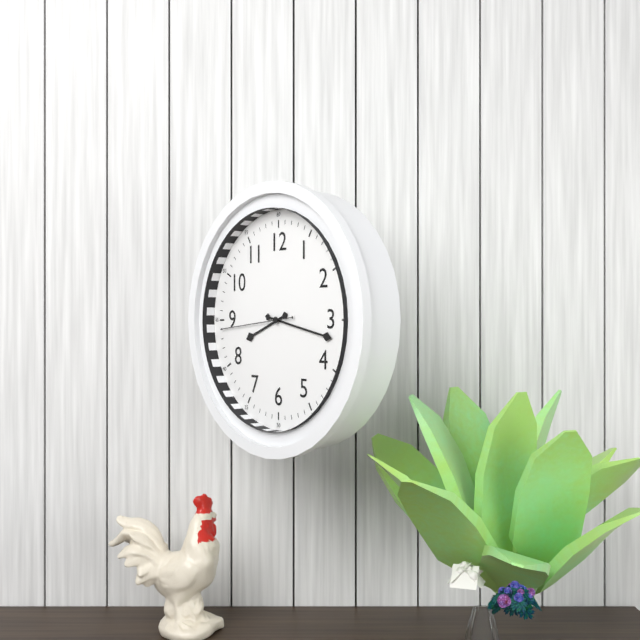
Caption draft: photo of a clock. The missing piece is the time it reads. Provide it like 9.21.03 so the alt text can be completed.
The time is 8.17.44
